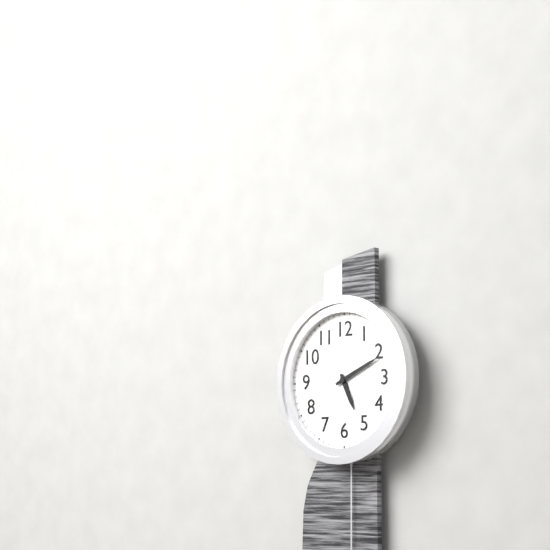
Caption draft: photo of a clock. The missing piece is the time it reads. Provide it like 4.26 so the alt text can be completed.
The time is 5.11
